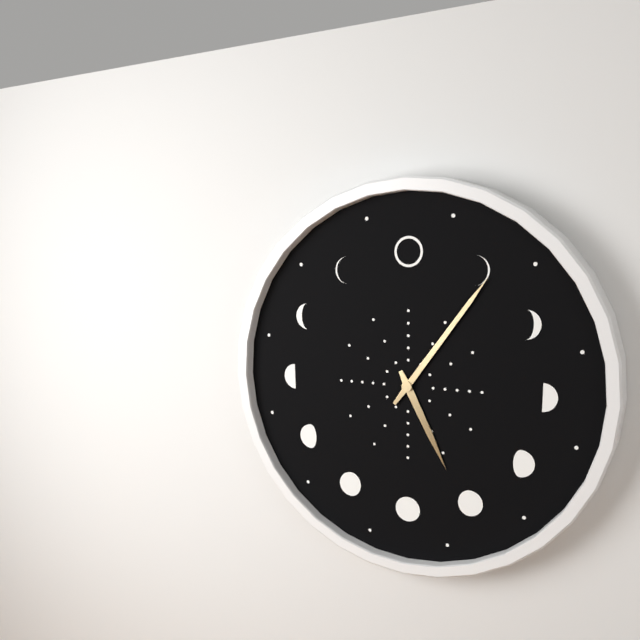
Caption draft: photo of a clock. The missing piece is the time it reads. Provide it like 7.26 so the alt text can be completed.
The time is 5.06
